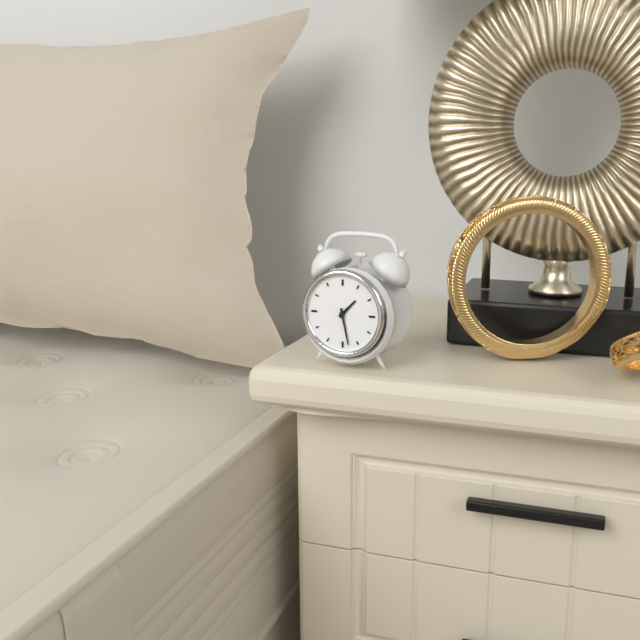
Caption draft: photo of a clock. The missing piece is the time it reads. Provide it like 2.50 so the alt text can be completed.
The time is 1.28
